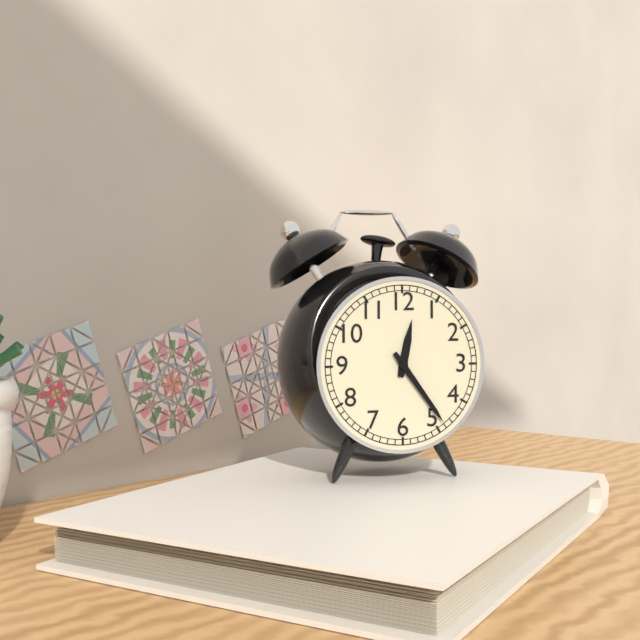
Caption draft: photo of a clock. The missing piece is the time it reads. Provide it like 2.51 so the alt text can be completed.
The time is 12.24
